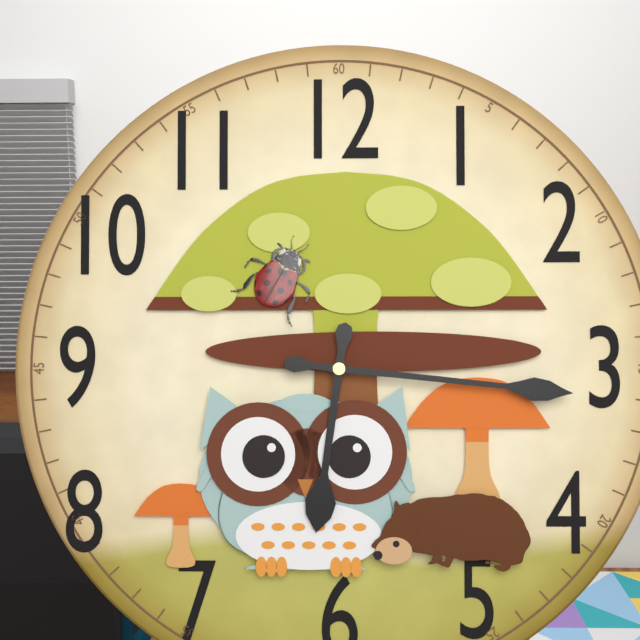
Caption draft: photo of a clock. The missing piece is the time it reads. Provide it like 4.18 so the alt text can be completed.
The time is 6.16
